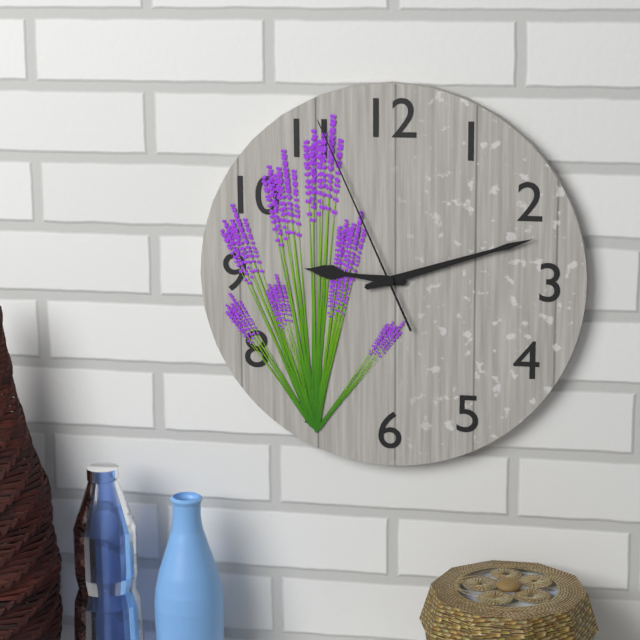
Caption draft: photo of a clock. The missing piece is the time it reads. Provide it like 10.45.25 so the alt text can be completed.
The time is 9.12.56
